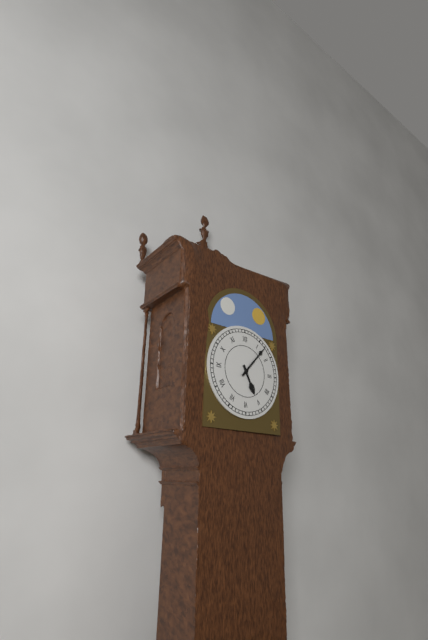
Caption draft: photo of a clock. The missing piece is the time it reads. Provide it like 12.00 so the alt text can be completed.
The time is 5.07
